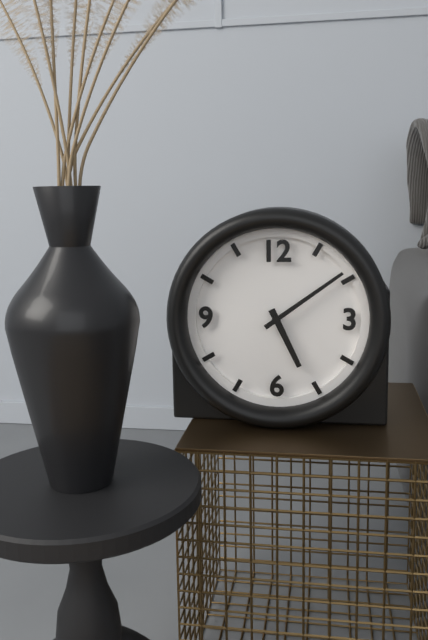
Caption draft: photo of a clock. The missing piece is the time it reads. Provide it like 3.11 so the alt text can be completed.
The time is 5.09
